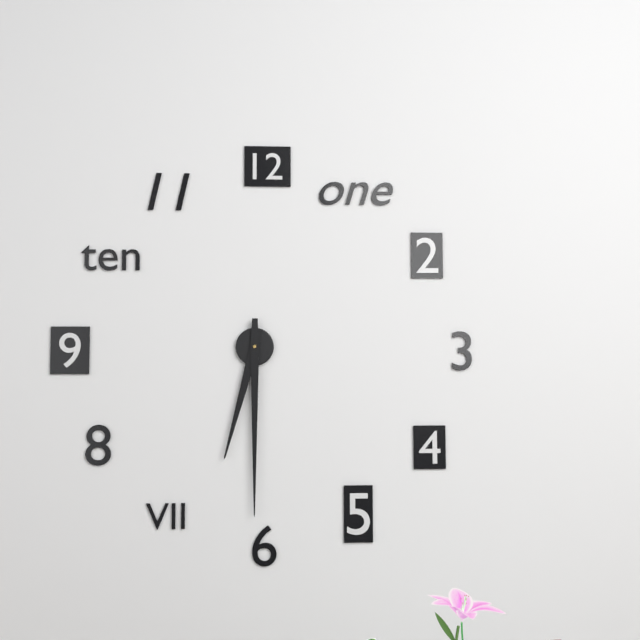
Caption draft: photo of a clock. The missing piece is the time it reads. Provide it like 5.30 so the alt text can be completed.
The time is 6.30
